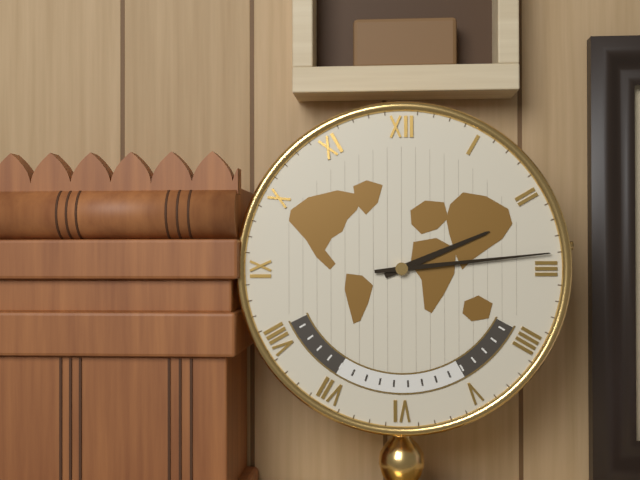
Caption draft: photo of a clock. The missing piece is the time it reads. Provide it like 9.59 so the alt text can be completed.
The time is 2.14
